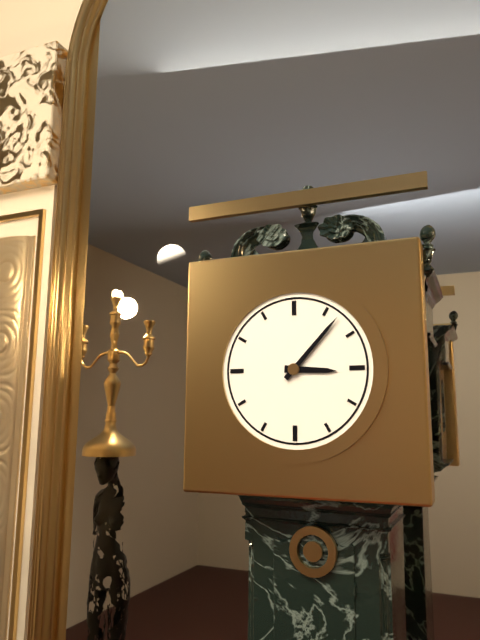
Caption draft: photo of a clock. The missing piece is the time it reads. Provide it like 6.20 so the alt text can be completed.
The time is 3.07
